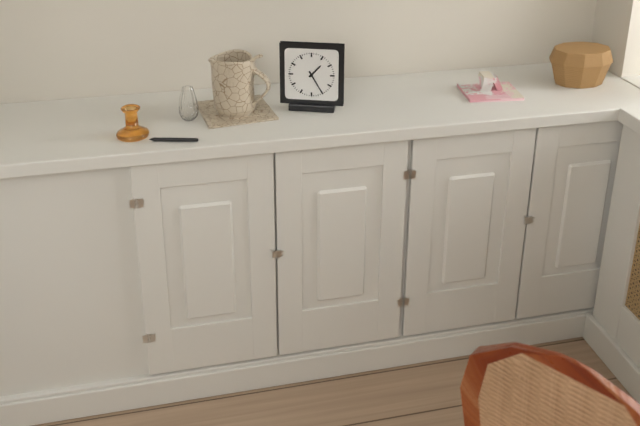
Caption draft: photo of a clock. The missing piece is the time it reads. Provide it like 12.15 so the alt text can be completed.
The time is 1.25
